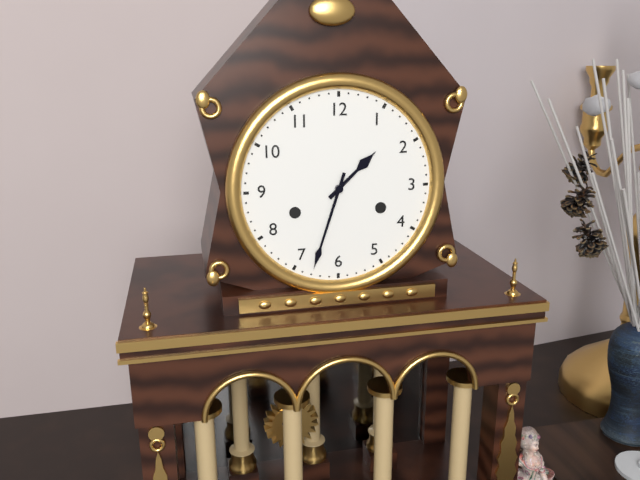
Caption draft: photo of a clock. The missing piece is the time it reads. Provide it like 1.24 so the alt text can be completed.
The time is 1.33
